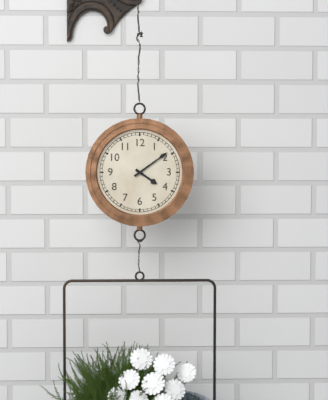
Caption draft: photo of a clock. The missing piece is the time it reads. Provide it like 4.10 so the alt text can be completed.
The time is 4.09
